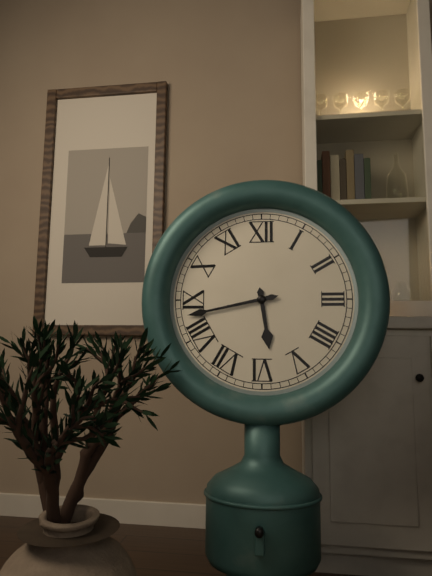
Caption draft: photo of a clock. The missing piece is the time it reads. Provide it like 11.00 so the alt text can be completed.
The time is 5.43
